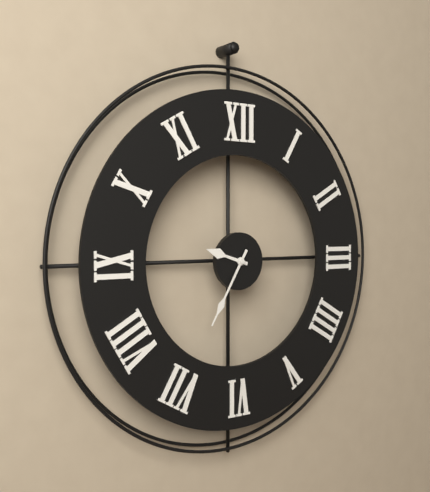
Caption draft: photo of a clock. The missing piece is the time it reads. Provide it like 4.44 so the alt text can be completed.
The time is 9.35
